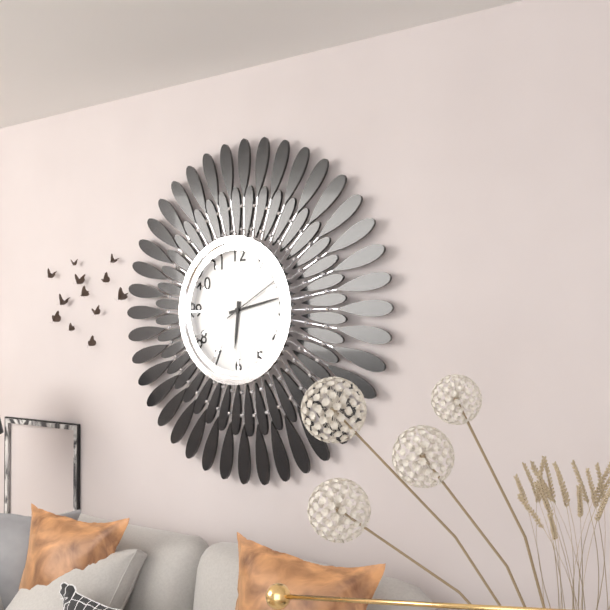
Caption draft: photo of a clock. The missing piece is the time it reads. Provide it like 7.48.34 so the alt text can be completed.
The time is 6.13.10
